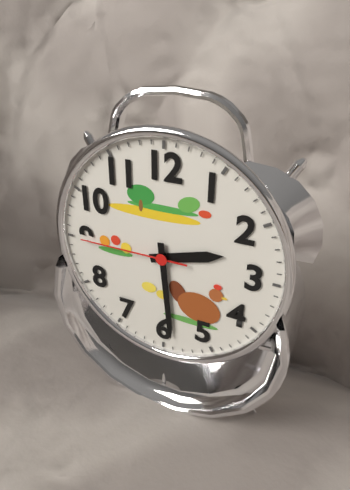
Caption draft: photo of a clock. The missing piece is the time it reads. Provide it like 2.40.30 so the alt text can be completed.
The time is 2.29.45
